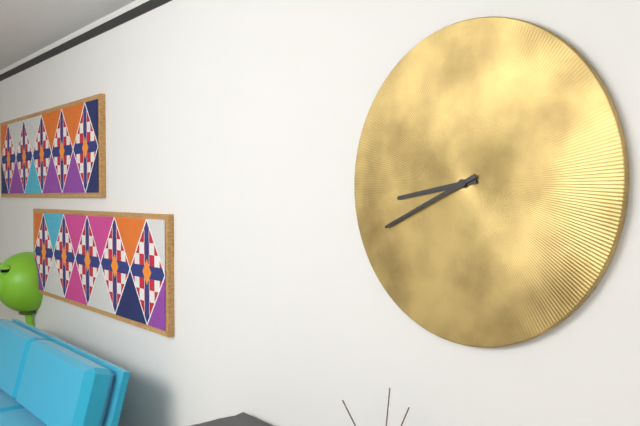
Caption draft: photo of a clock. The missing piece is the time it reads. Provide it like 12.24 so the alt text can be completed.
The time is 8.41
